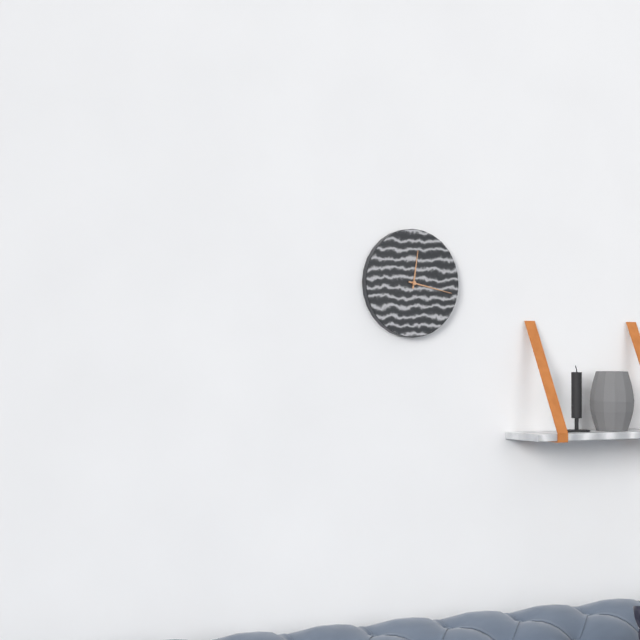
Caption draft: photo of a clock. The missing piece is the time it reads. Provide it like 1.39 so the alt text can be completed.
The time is 12.17
